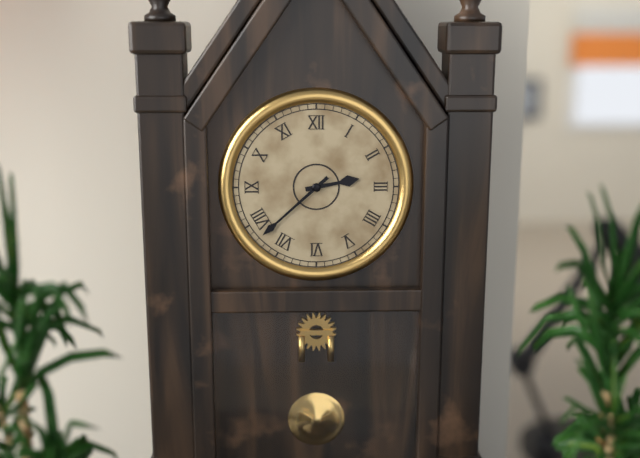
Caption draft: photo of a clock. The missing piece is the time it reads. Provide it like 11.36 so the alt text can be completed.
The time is 2.38
